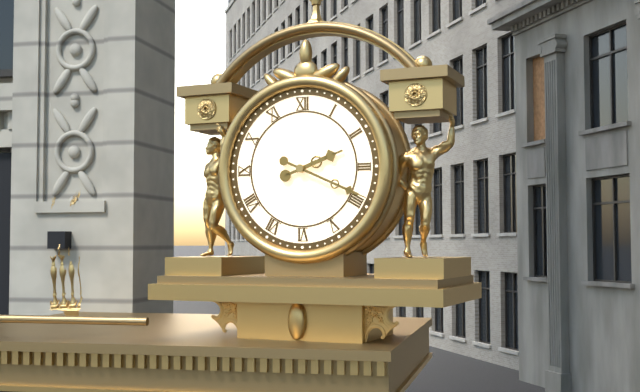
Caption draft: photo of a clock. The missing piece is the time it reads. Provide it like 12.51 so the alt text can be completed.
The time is 2.19
